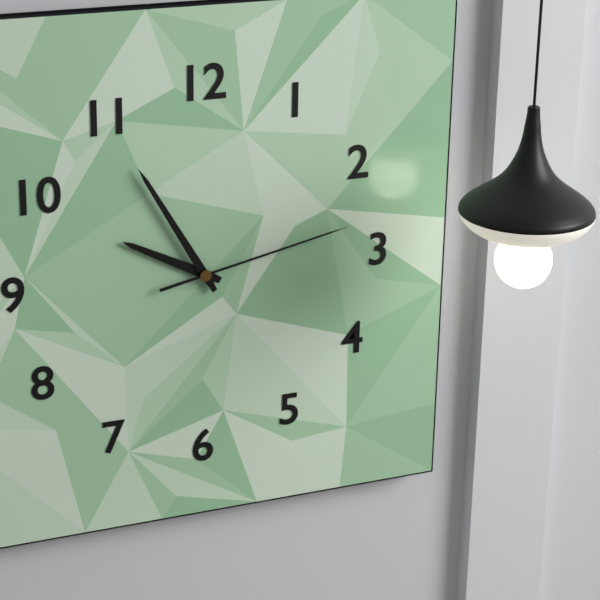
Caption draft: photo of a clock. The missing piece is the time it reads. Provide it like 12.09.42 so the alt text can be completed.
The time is 9.55.13
